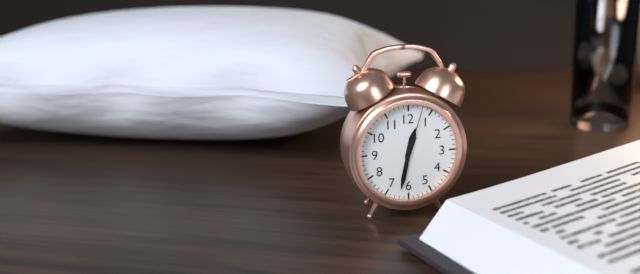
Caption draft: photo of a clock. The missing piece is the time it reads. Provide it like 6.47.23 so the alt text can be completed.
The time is 12.32.03
